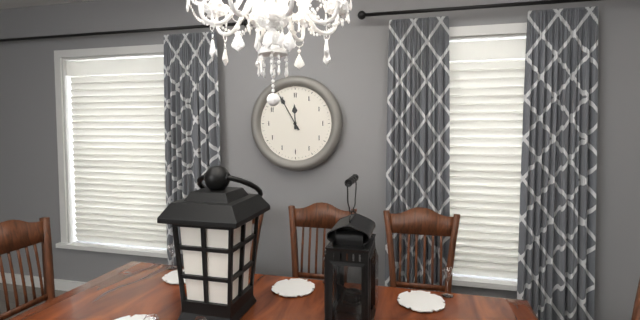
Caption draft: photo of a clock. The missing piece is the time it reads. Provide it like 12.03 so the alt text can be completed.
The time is 11.55
